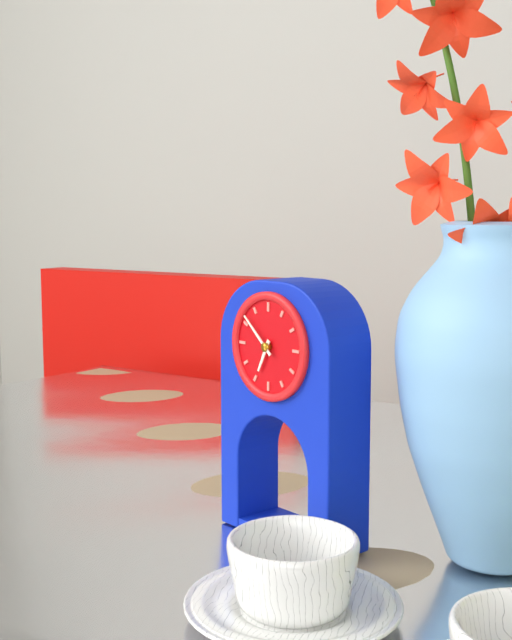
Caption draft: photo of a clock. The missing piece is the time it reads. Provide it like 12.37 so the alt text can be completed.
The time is 6.52
